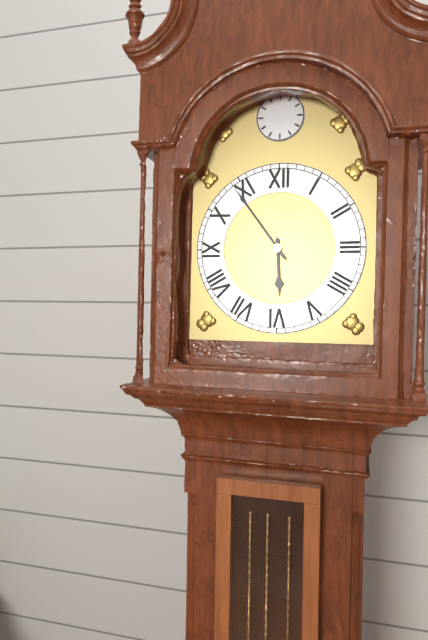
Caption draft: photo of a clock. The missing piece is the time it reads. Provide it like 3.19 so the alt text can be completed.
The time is 5.54
